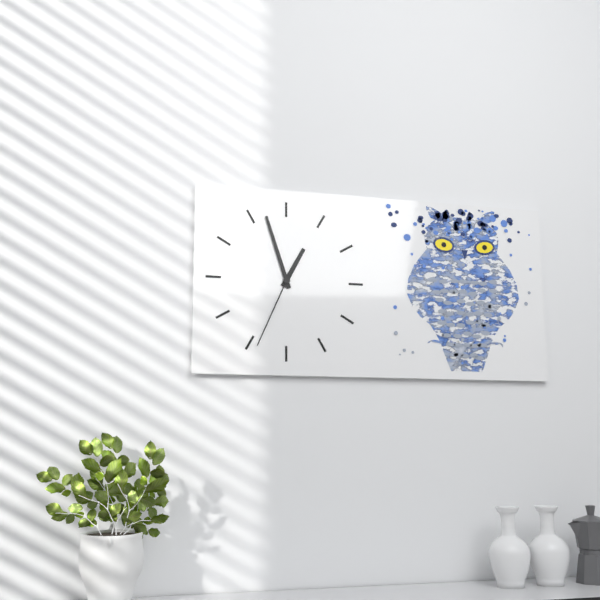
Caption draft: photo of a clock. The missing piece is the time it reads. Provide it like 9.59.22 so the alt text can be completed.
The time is 12.57.34
